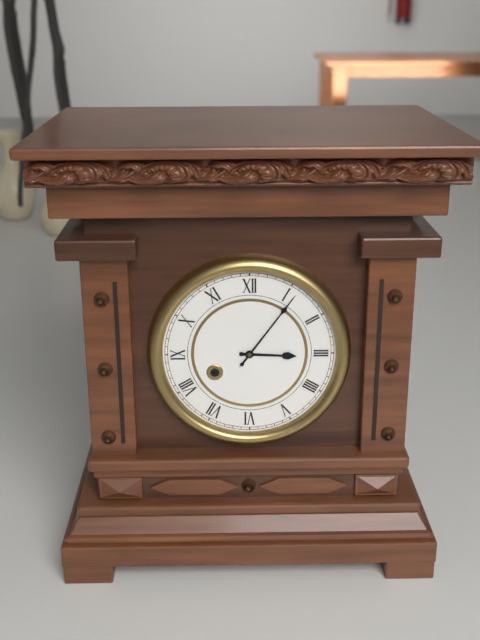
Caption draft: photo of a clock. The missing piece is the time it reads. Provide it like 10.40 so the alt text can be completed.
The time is 3.06
